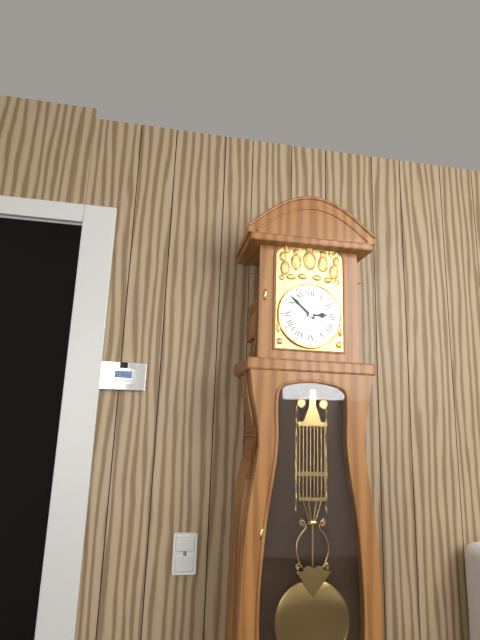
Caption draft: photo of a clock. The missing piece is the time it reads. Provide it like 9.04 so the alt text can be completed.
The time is 2.52
